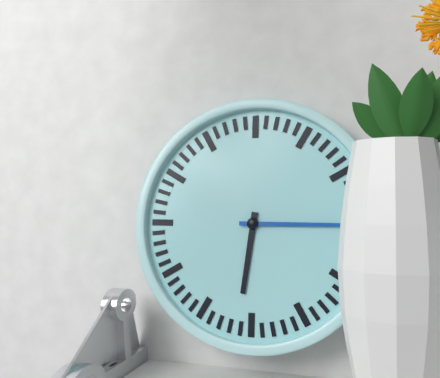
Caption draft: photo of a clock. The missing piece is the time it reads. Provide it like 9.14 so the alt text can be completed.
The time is 6.15
